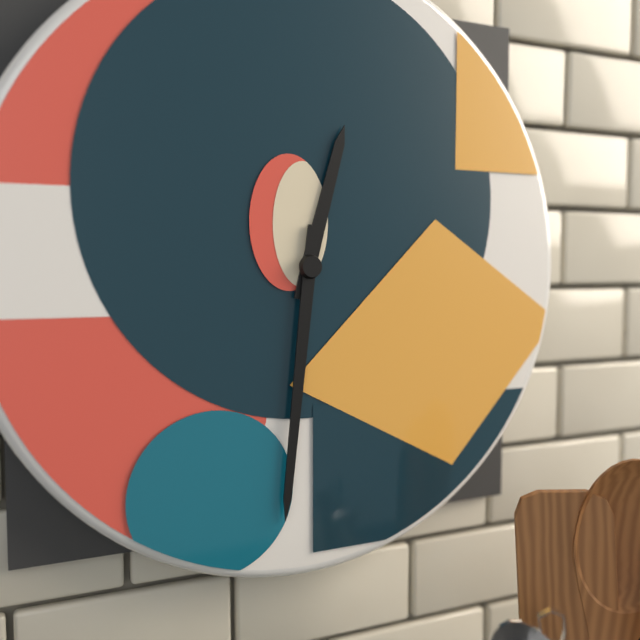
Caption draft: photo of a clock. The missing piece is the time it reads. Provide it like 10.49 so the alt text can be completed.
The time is 12.31
